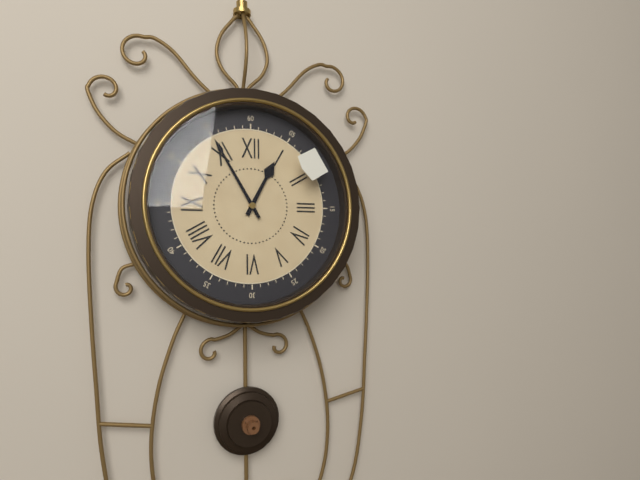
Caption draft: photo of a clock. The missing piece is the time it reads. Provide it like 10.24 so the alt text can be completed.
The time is 12.55
